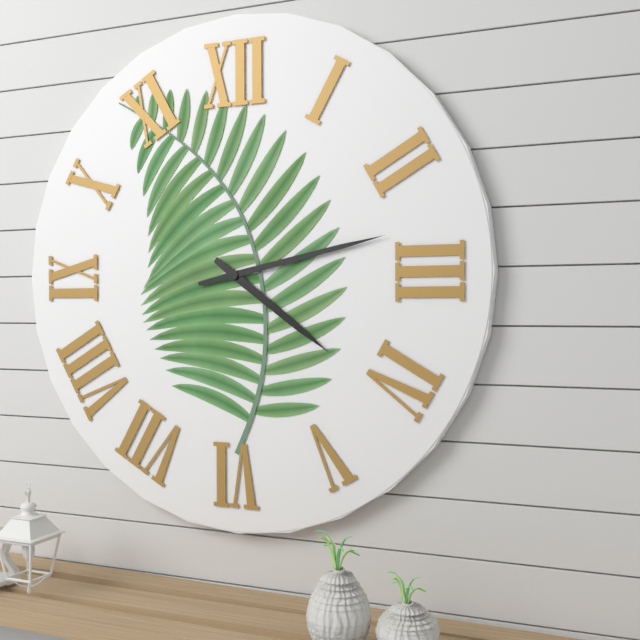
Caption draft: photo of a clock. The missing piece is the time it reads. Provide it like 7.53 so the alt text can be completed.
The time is 4.13
